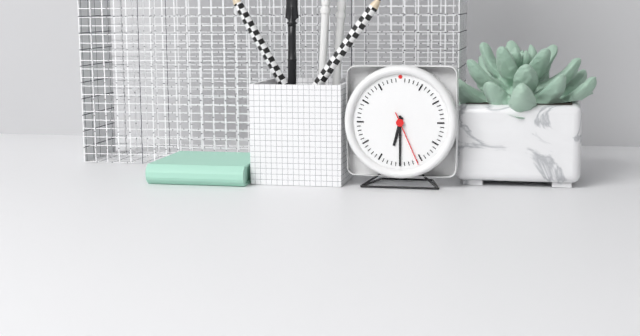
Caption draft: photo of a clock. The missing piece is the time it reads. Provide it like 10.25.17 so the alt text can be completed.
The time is 6.30.26
